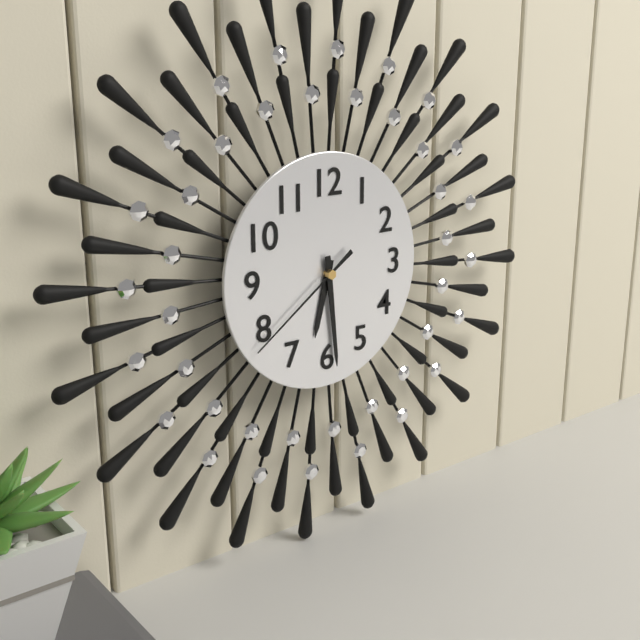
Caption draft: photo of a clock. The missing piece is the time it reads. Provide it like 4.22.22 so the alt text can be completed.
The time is 6.29.39
